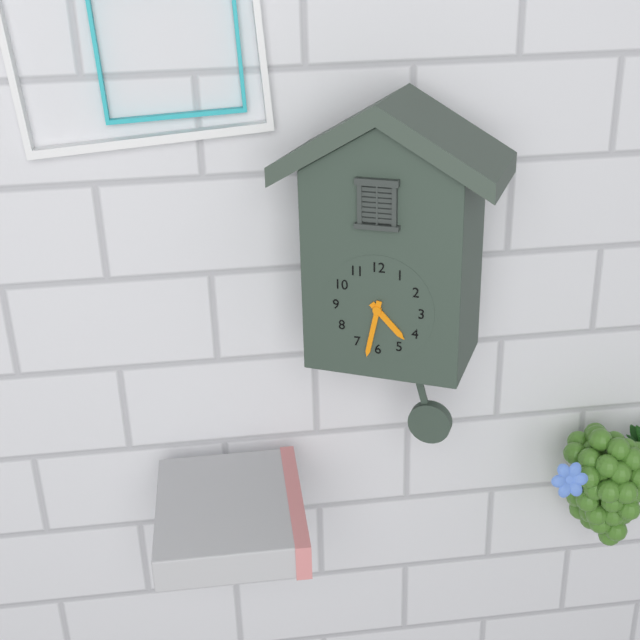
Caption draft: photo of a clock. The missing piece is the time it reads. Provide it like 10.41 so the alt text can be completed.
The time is 4.32
